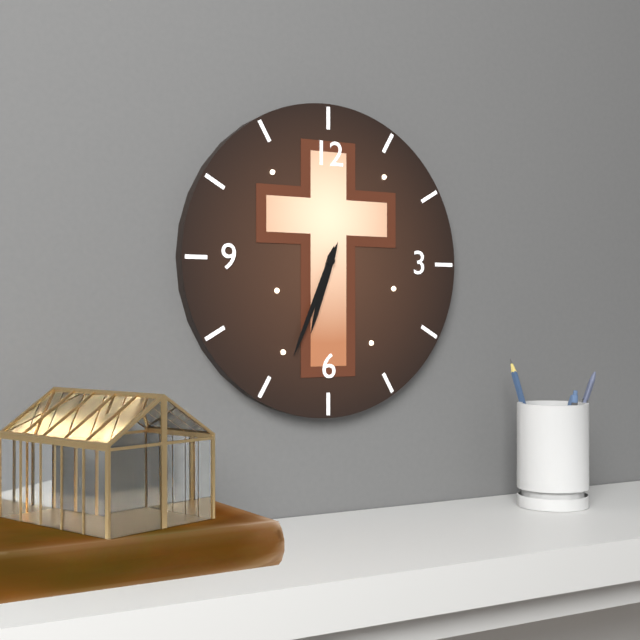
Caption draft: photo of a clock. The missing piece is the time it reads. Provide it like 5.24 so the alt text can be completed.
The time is 6.34
